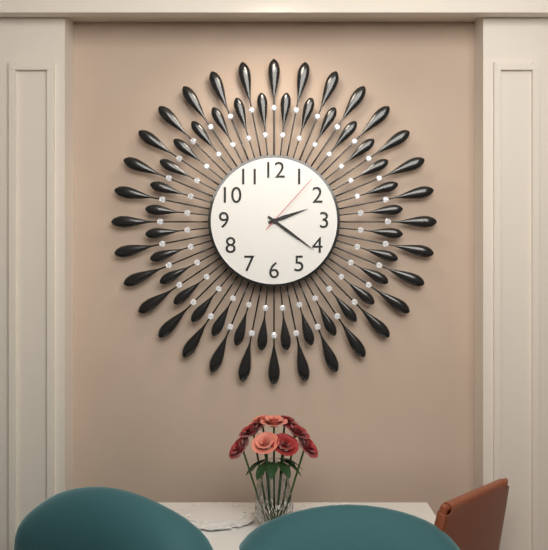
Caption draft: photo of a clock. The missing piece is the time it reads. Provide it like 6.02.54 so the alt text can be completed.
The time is 2.21.07
